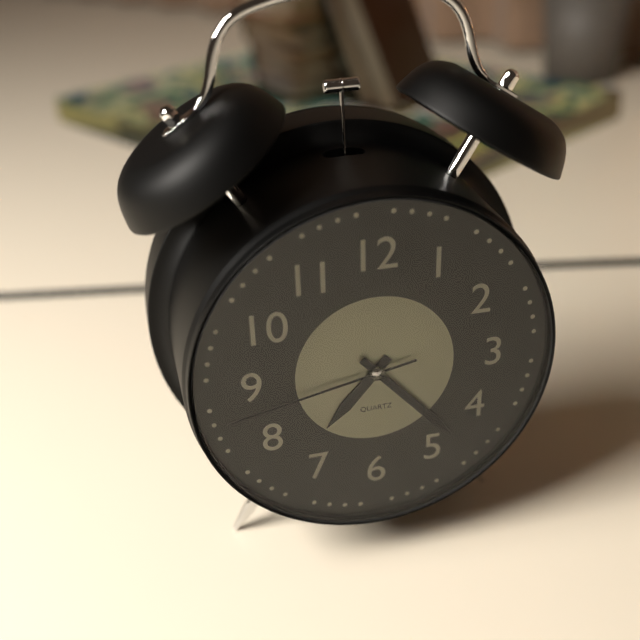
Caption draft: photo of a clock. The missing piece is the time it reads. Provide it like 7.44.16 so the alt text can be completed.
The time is 7.23.43
